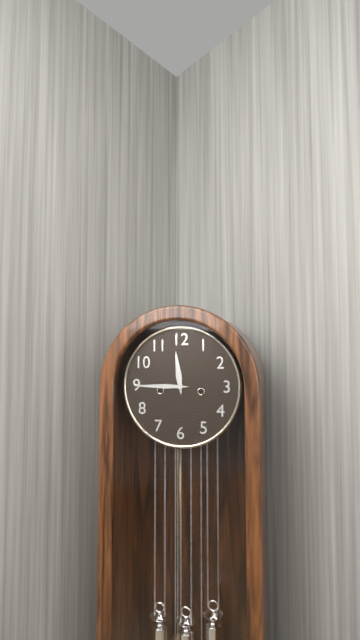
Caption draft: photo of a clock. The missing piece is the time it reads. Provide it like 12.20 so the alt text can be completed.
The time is 11.45
